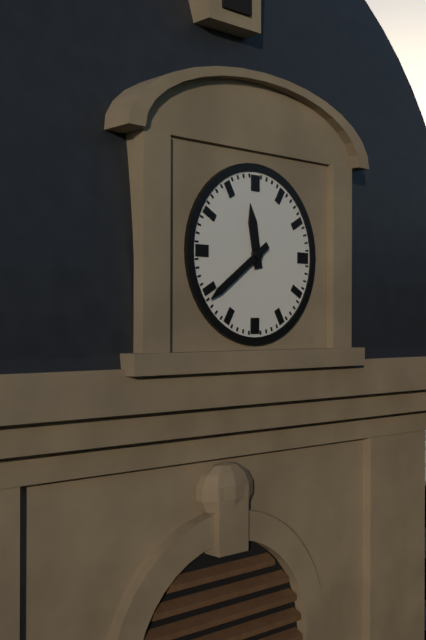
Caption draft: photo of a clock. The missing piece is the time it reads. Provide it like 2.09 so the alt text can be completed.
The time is 11.39
